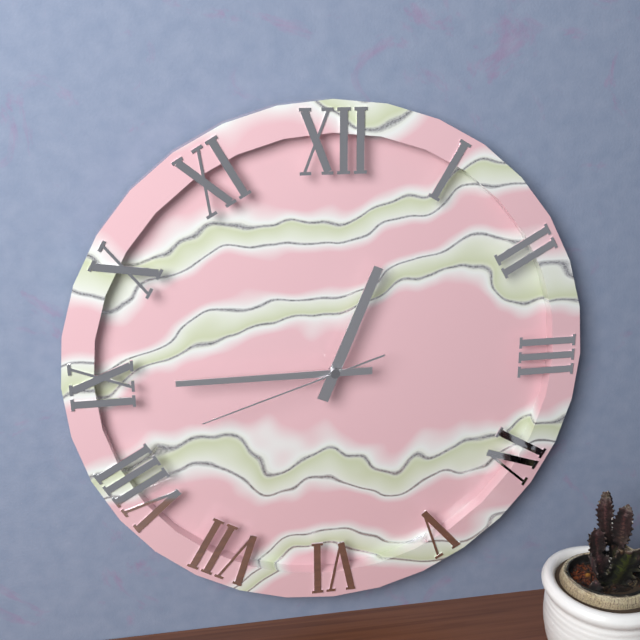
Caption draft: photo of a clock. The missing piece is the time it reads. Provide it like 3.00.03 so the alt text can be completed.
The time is 12.45.42
